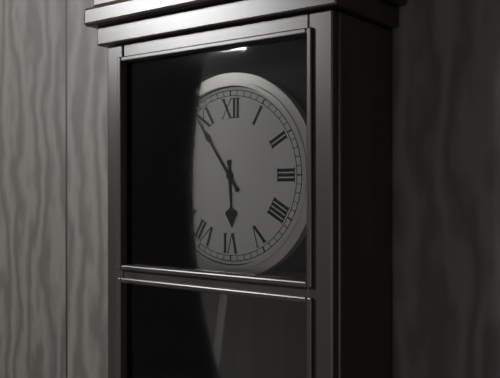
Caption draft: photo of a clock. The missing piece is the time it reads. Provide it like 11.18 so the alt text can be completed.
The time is 5.54
